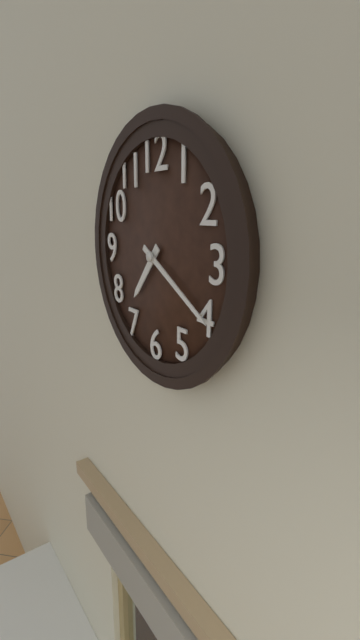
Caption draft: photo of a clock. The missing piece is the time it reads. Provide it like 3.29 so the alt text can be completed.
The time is 7.20
